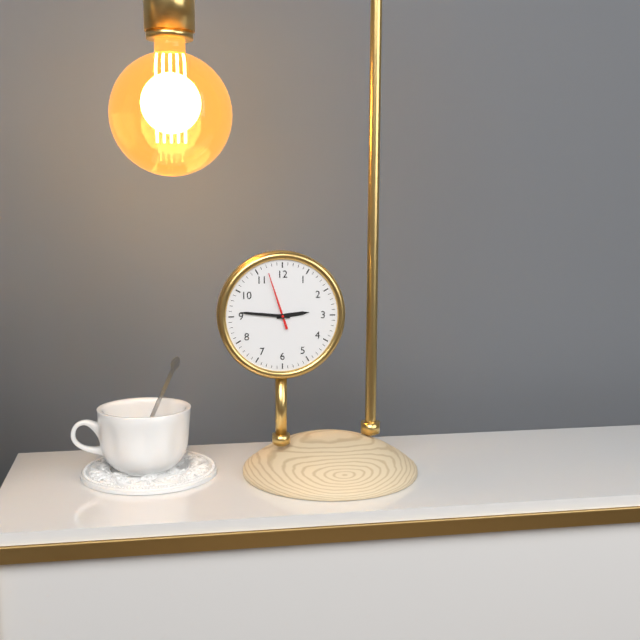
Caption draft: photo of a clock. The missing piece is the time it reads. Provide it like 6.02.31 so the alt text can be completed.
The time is 2.46.57
